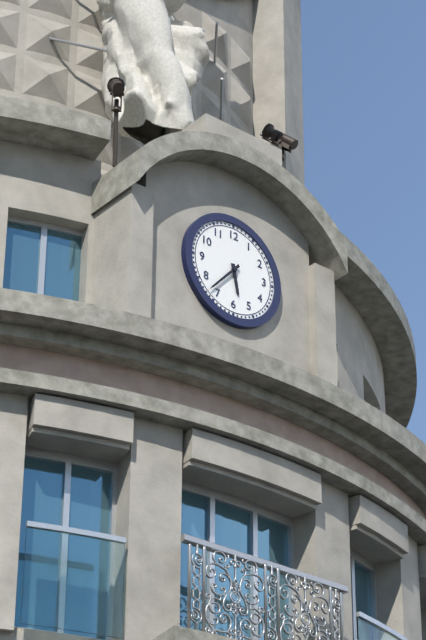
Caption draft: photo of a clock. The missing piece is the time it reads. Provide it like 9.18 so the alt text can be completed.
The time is 5.37
